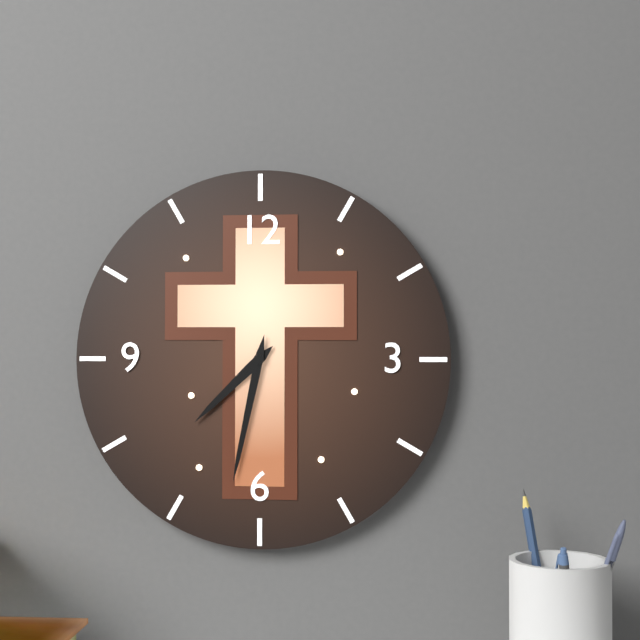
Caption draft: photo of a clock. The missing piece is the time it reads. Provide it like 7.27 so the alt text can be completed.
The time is 7.32
